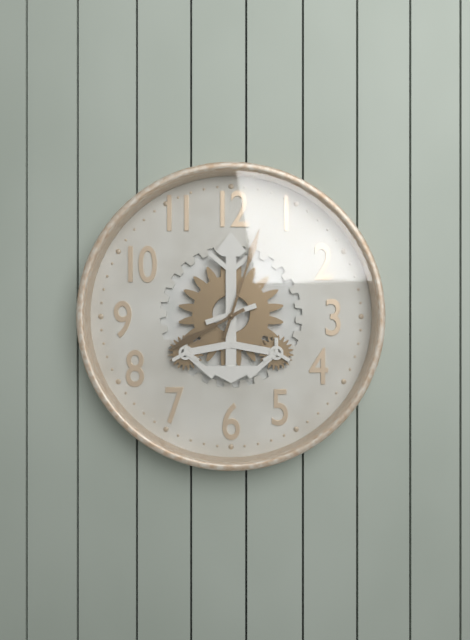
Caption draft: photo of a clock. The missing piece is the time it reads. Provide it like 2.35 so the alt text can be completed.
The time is 8.03
